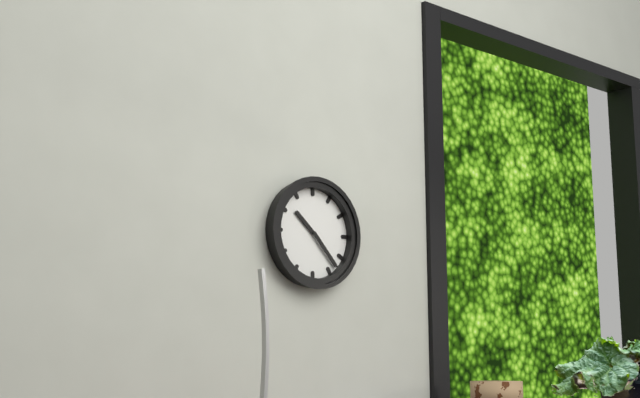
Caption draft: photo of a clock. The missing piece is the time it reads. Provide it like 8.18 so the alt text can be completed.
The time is 10.23
